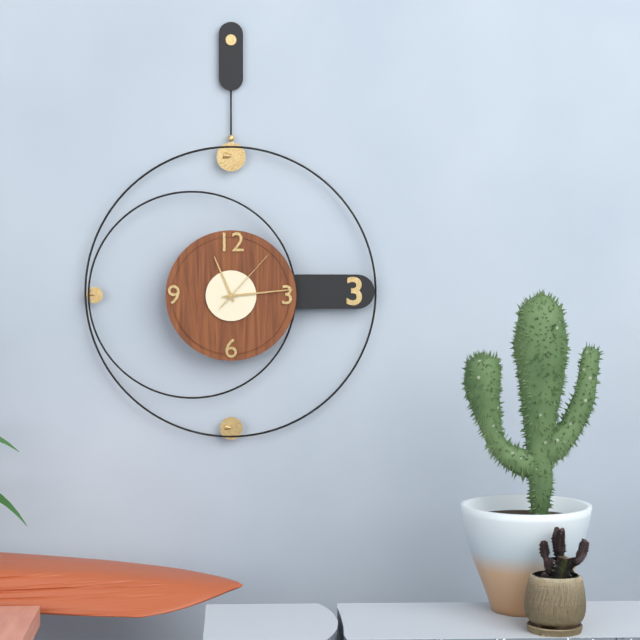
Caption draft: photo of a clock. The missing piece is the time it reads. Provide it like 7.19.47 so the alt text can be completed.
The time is 11.14.07
